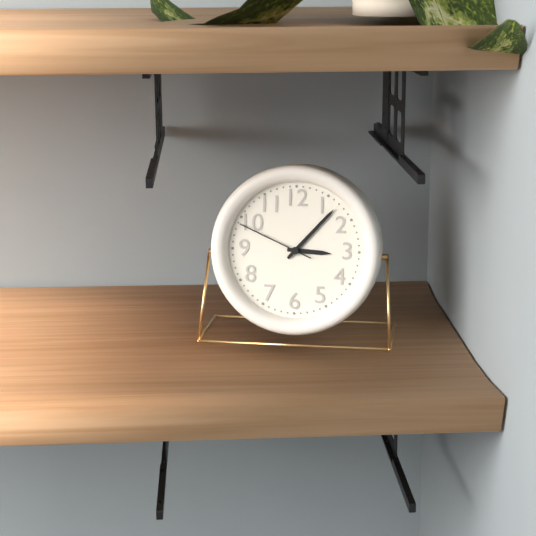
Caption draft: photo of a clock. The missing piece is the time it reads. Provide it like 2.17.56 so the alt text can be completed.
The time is 3.07.49
